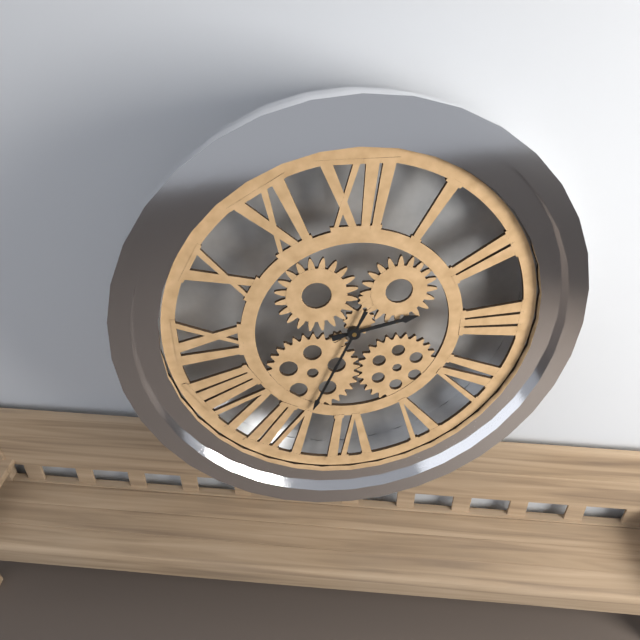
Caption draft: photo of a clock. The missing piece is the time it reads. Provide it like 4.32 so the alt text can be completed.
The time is 2.34
